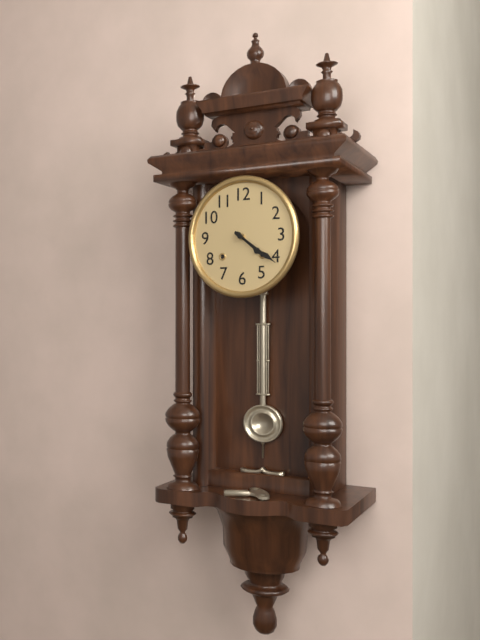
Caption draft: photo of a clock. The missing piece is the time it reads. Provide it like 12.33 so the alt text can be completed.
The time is 4.21
